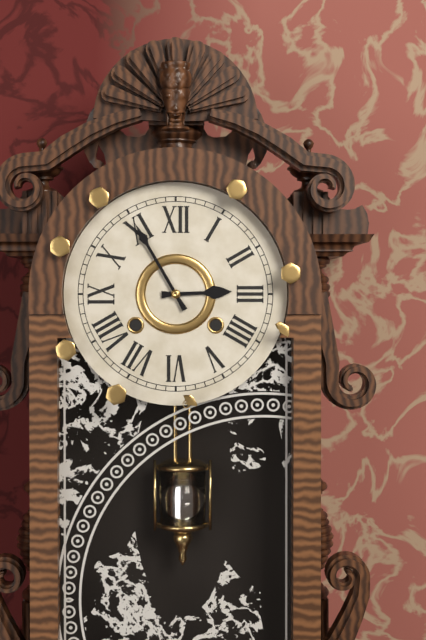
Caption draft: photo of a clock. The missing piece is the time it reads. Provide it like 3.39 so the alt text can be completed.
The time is 2.55
